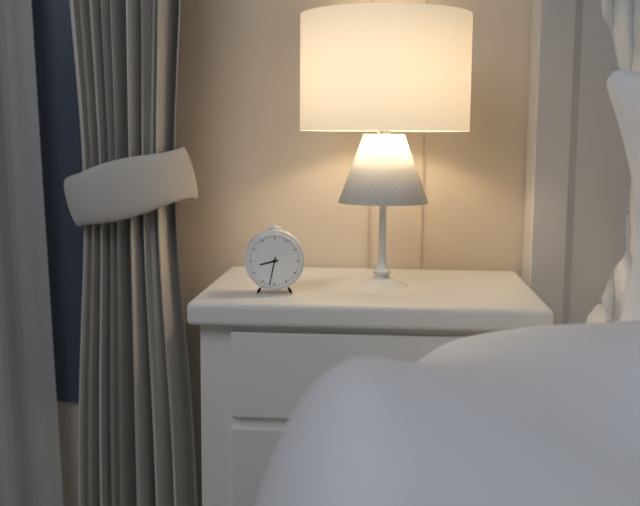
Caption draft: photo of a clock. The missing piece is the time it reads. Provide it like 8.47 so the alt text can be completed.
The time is 8.32
